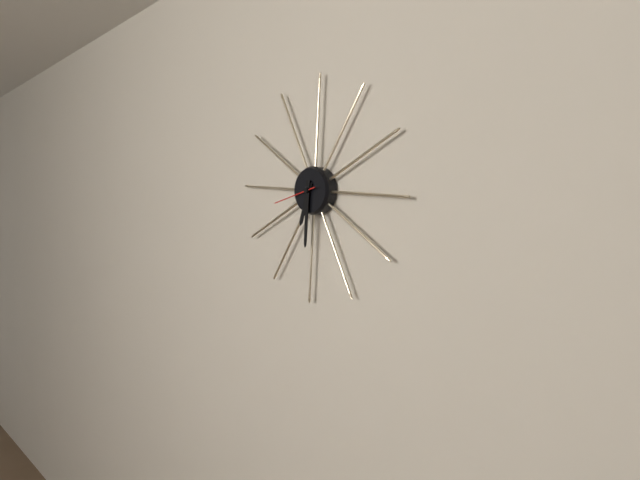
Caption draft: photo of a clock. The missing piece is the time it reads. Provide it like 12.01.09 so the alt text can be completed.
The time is 6.30.42
